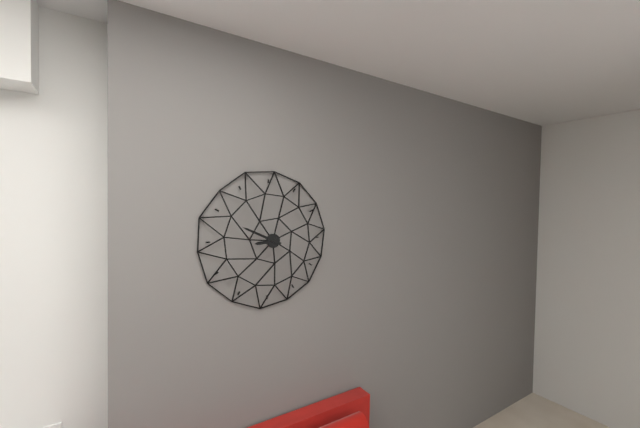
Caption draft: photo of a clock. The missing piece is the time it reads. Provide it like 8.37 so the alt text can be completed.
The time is 8.49
